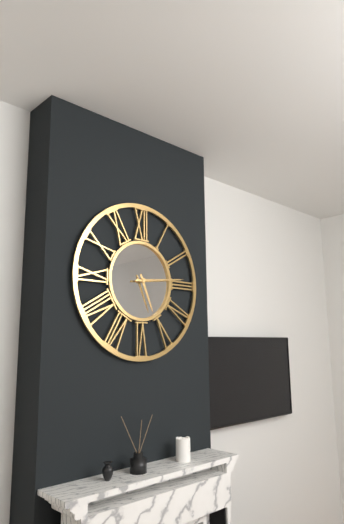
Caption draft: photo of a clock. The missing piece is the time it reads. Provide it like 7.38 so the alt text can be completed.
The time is 5.14
